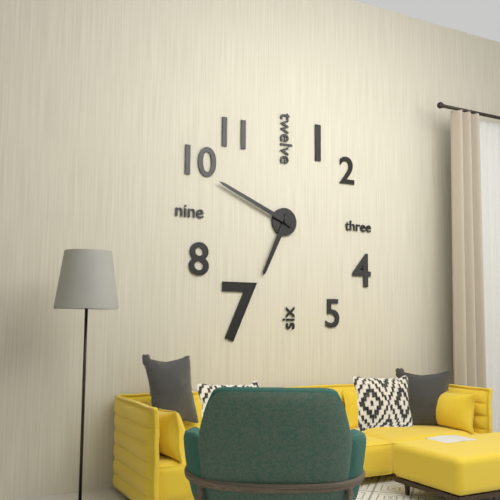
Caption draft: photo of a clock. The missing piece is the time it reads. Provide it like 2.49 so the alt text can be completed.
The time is 6.49
